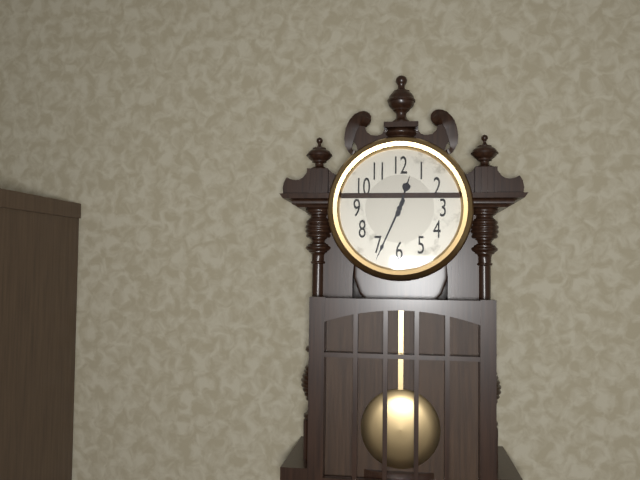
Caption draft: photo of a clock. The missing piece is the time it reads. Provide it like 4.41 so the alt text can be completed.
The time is 12.34
